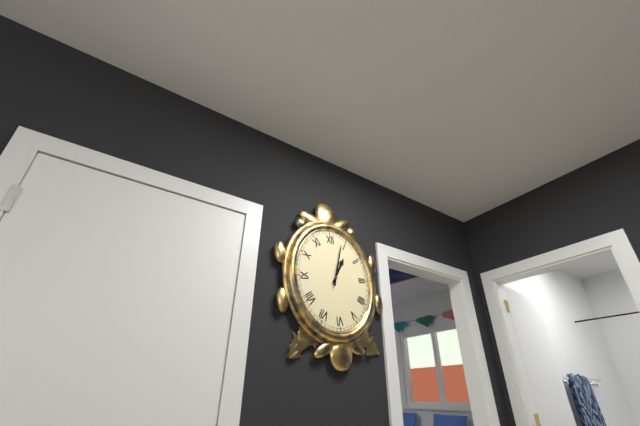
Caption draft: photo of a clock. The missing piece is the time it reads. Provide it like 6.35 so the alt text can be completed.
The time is 1.03
